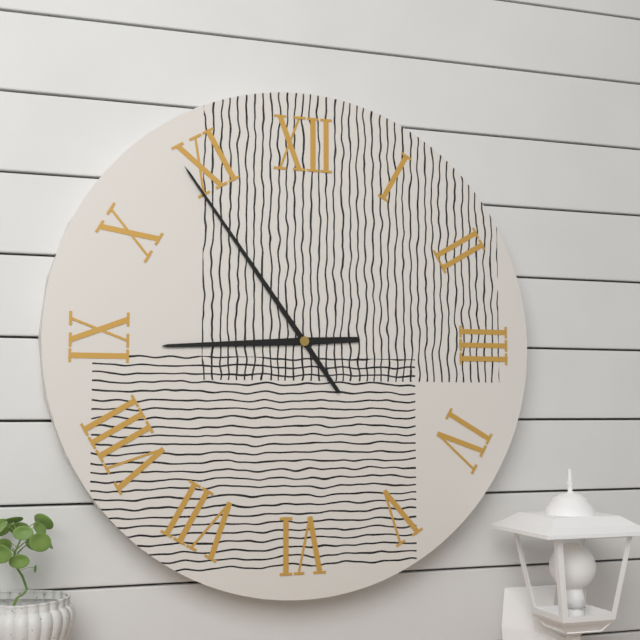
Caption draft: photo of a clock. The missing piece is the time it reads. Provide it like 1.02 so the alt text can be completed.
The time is 8.54
